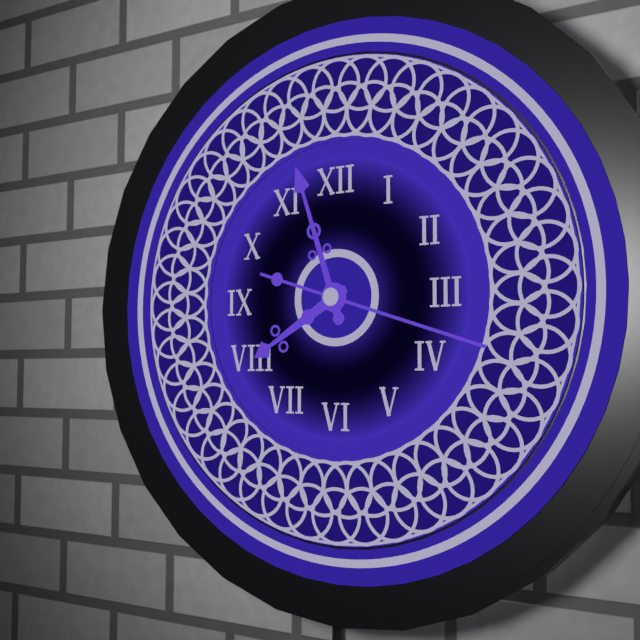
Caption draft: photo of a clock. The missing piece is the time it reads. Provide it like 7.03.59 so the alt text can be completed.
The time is 7.57.18
